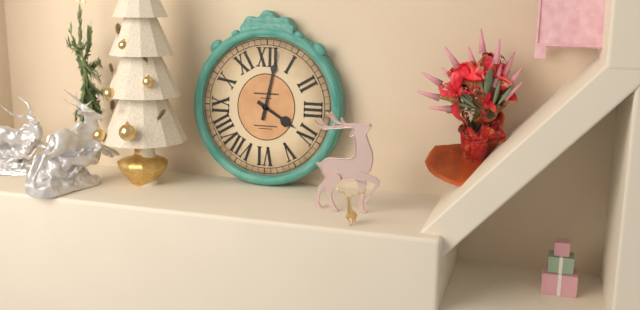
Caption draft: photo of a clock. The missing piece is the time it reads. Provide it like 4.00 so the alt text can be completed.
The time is 4.02
